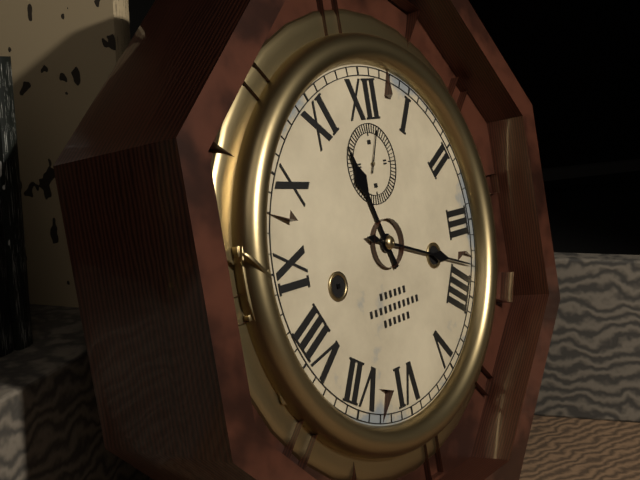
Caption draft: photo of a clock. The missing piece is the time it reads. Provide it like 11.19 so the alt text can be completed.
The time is 11.18
